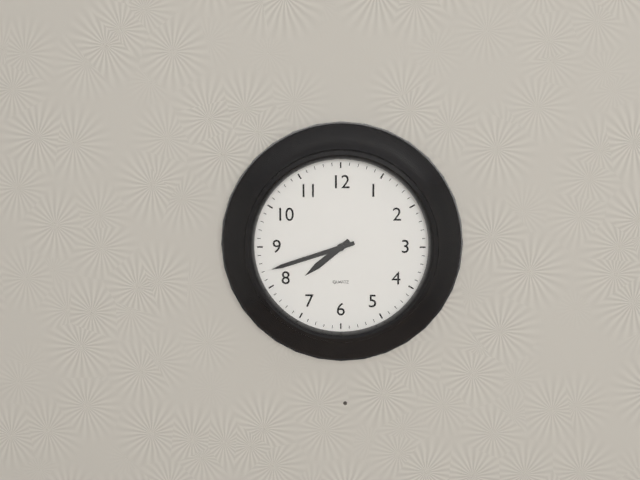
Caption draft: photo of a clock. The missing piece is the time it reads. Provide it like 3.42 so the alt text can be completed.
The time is 7.42
